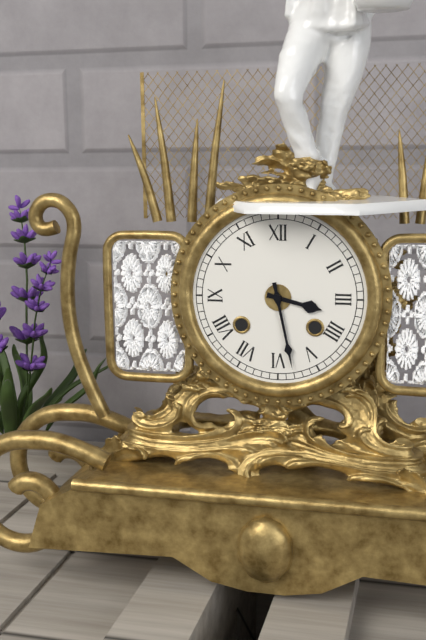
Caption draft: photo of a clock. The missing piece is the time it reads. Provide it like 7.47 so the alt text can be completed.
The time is 3.28
